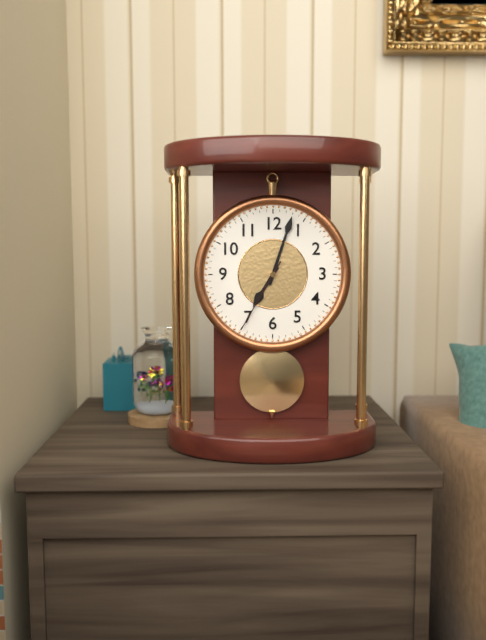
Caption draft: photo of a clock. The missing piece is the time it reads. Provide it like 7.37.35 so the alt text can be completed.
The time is 7.03.35
